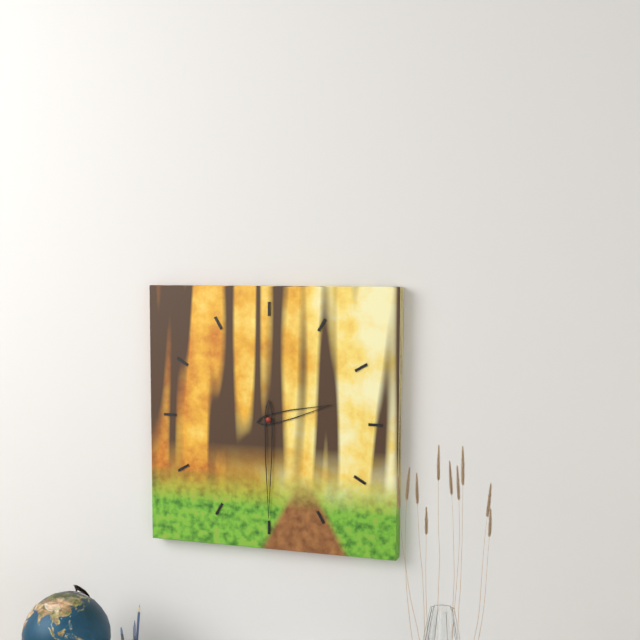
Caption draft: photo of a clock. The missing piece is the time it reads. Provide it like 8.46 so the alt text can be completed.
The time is 2.30
